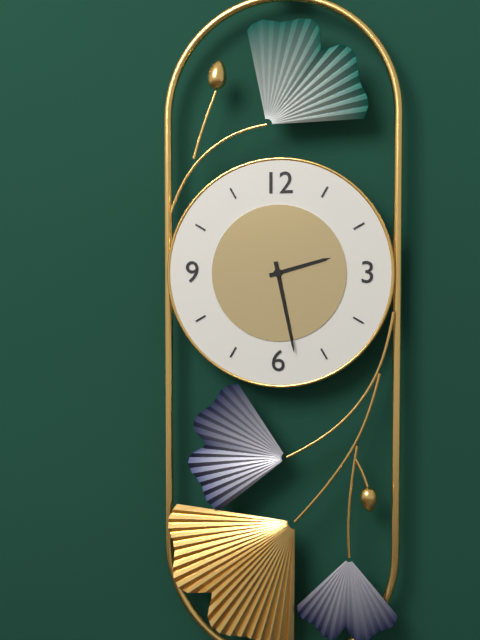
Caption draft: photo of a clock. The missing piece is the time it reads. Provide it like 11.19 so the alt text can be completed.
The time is 2.28
